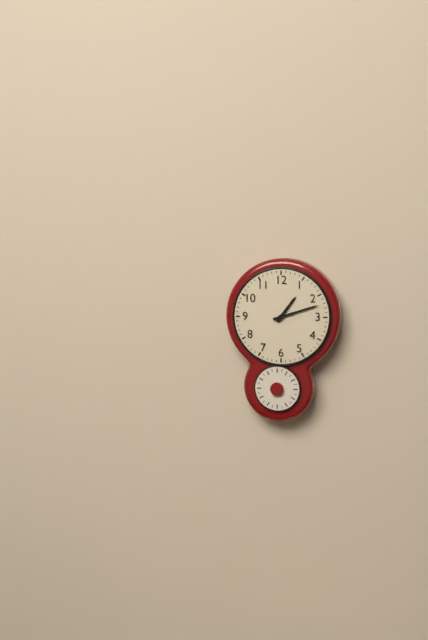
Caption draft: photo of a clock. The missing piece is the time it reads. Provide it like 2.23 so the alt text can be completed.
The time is 1.12
